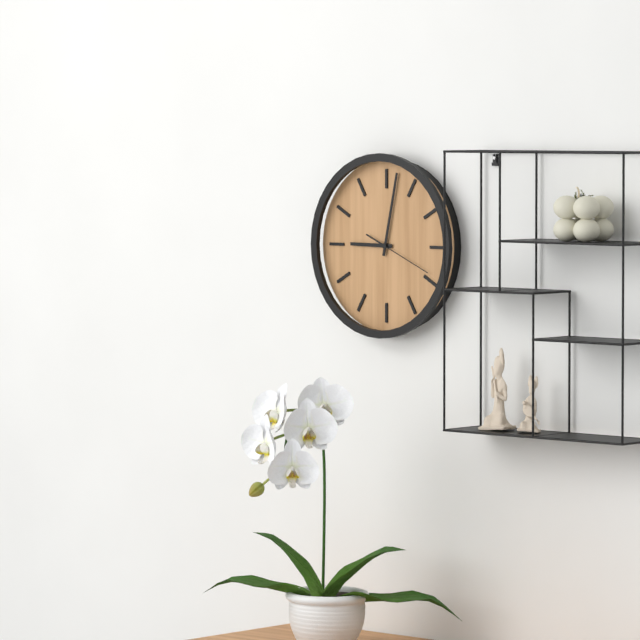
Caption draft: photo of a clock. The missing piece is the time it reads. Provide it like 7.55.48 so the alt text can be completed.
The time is 9.02.19
